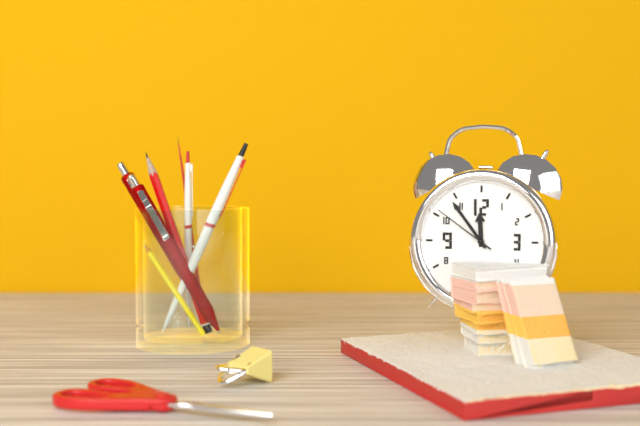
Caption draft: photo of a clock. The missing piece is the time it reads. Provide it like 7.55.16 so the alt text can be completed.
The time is 11.54.51
